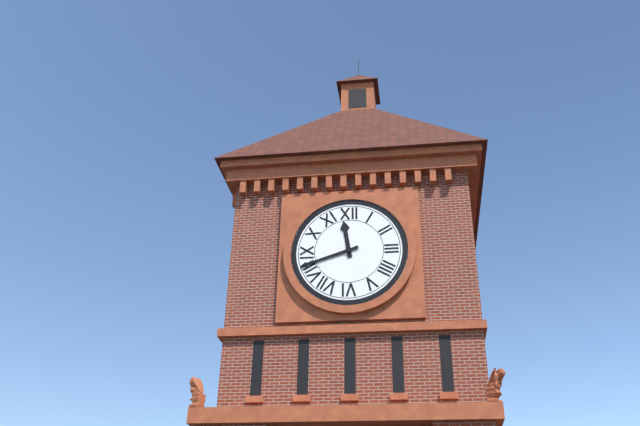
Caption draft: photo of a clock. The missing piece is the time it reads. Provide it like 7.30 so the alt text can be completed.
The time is 11.42
